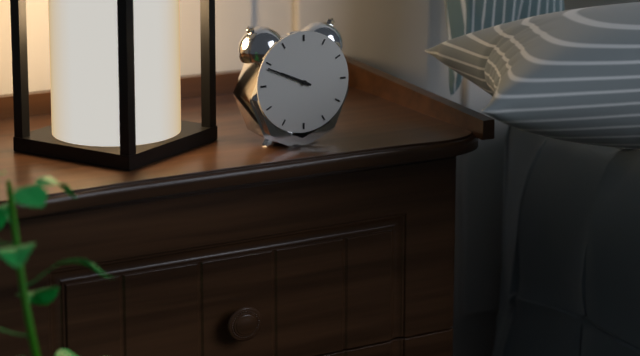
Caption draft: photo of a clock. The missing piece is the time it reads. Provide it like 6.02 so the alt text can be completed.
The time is 9.49
